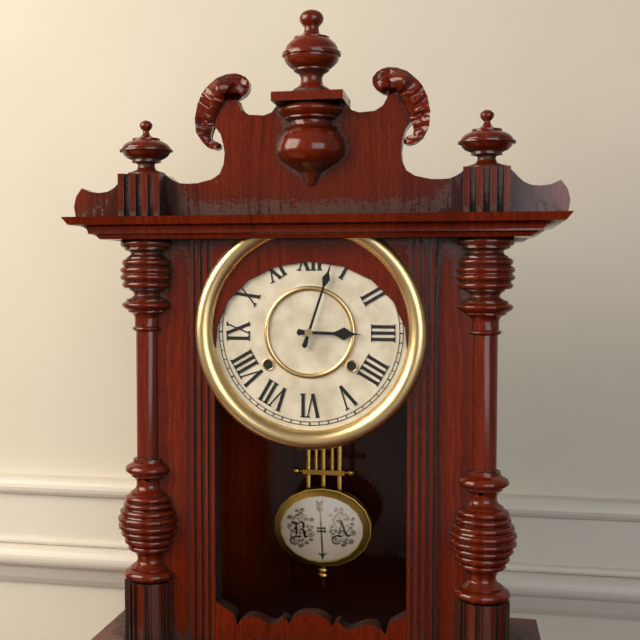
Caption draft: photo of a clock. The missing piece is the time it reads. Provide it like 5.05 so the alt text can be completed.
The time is 3.03
